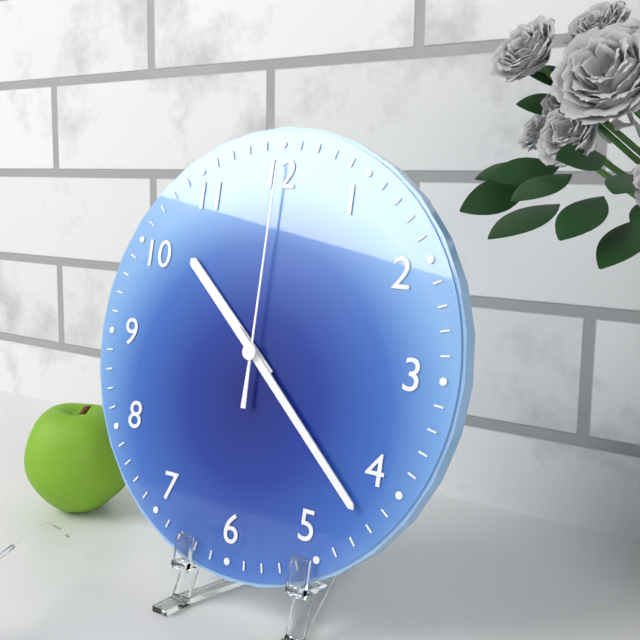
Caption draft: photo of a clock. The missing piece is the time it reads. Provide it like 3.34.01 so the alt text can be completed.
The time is 10.22.00
